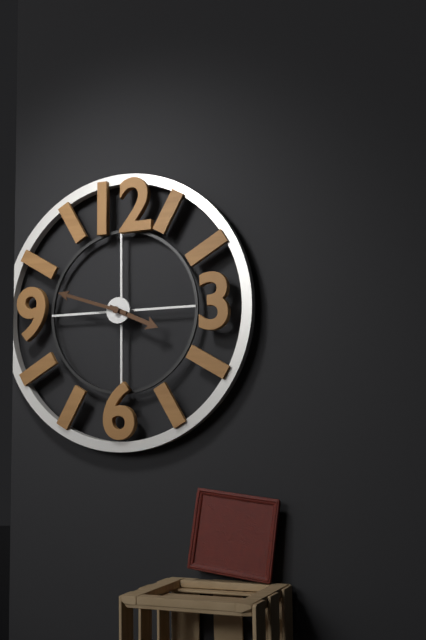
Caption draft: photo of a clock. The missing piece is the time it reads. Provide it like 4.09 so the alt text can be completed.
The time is 3.48
